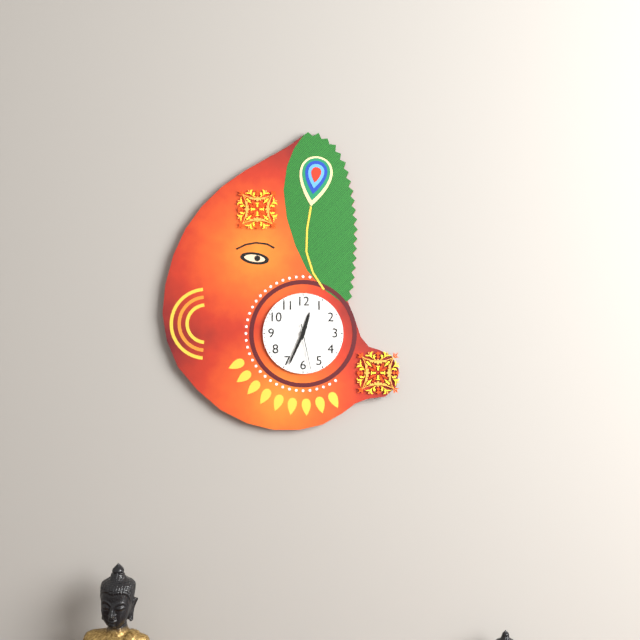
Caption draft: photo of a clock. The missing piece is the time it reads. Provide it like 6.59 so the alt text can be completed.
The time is 12.34
